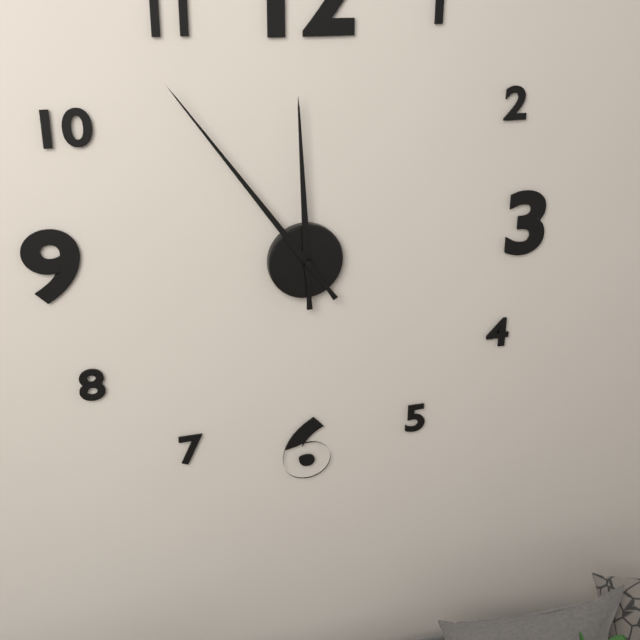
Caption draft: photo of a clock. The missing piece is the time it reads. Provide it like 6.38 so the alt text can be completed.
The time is 11.54
